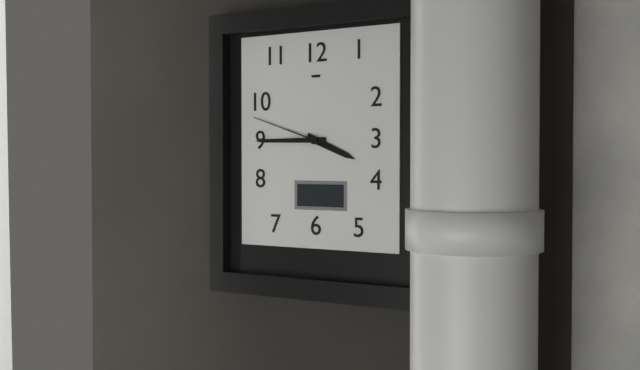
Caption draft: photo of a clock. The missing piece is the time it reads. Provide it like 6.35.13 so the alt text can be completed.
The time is 3.45.48
